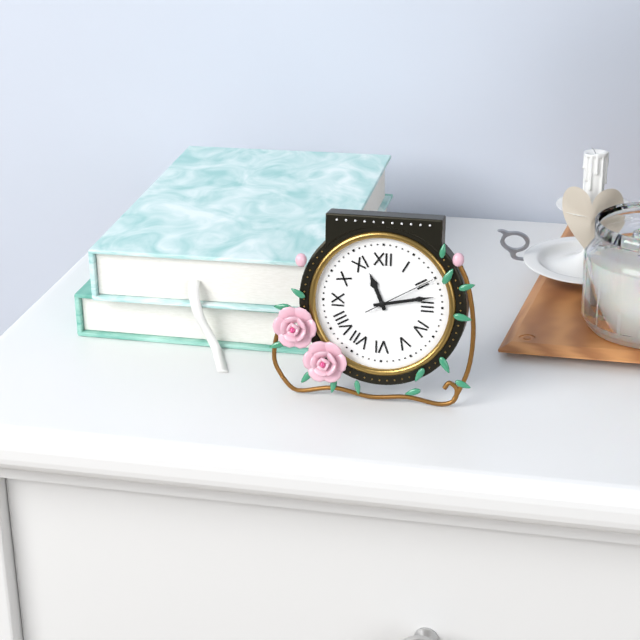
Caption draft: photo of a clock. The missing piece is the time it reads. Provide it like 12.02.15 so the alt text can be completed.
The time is 11.13.10
